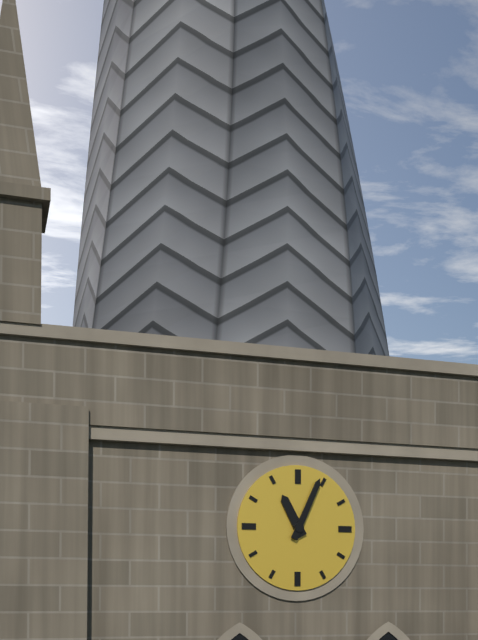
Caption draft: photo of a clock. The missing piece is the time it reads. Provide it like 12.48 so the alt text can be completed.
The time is 11.04
